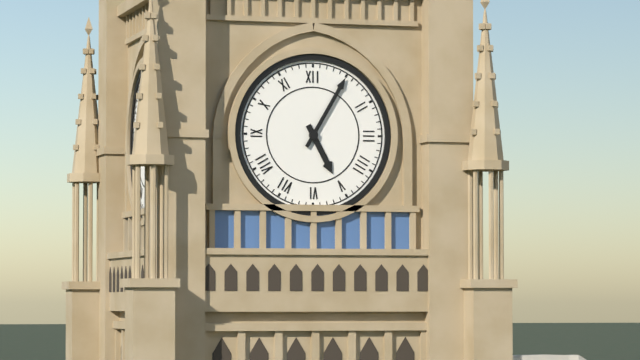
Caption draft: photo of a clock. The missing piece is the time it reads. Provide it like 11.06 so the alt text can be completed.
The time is 5.05
